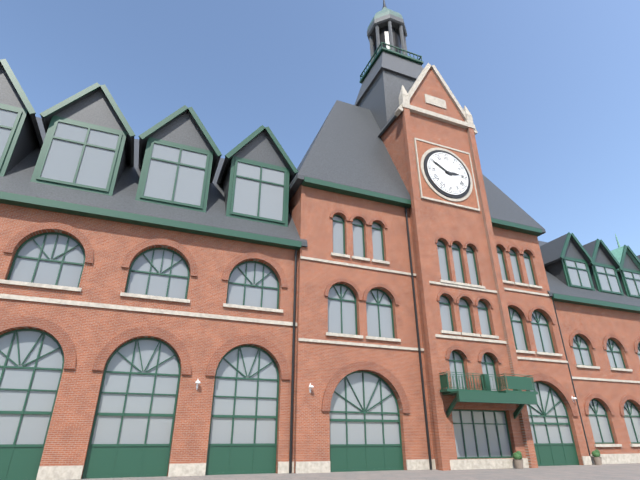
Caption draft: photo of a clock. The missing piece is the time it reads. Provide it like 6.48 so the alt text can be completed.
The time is 2.50
